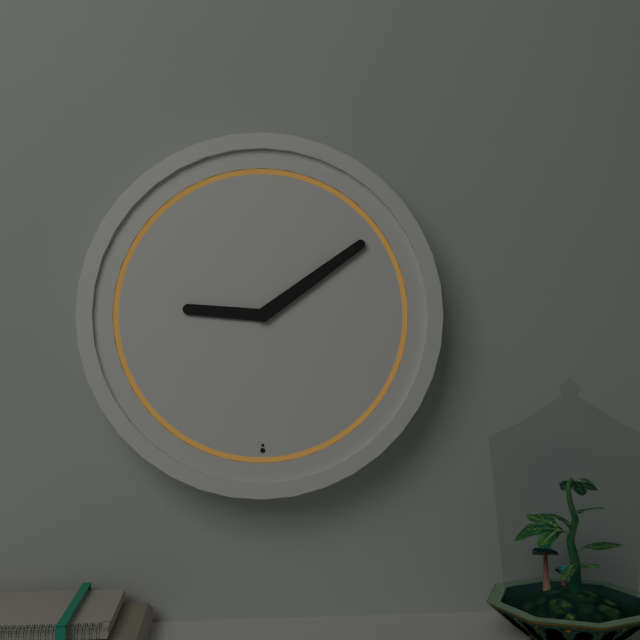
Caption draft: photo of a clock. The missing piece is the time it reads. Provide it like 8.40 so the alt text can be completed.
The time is 9.09
